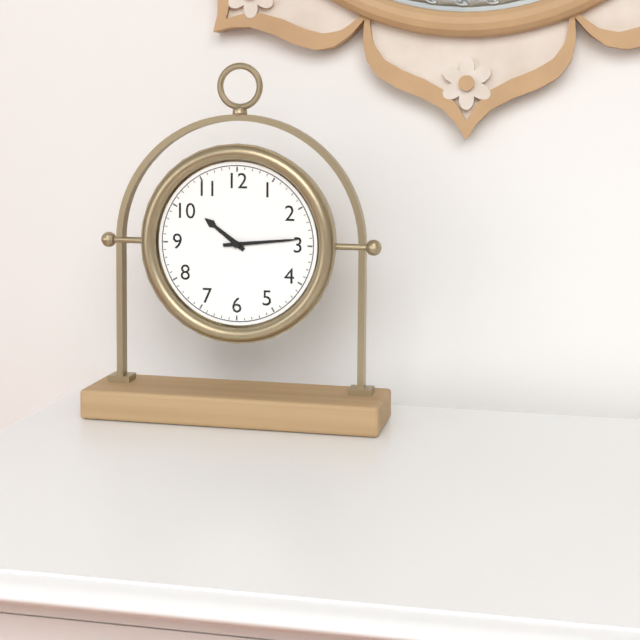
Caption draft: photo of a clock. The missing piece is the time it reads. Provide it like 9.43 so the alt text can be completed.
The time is 10.14
